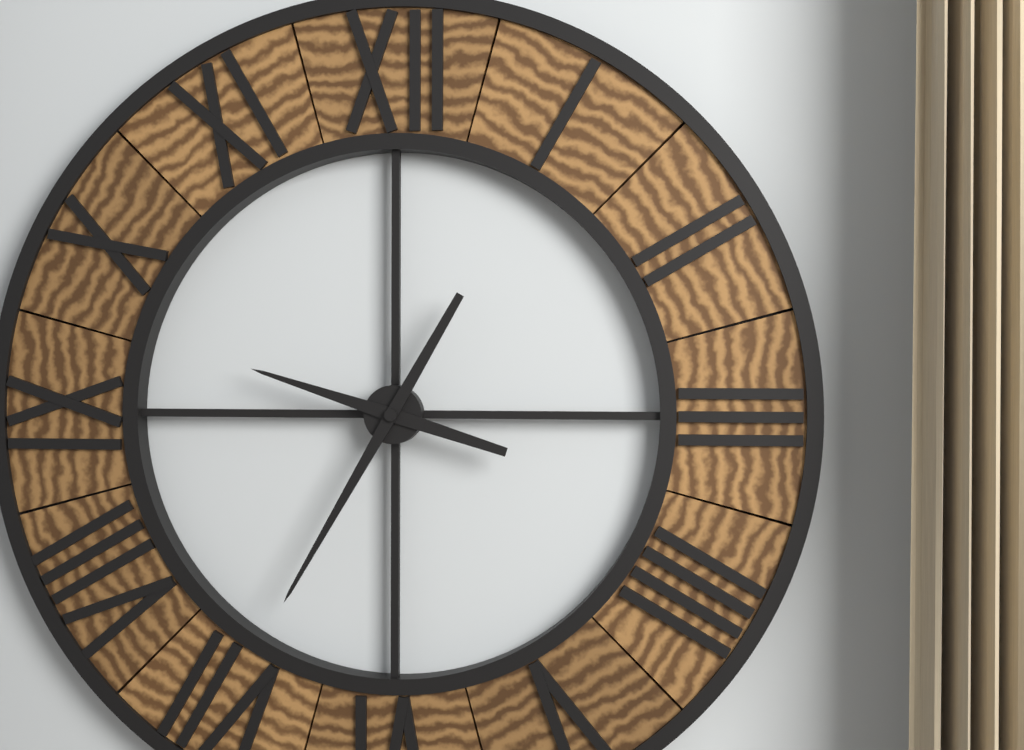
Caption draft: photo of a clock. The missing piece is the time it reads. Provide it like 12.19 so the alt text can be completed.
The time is 9.35
